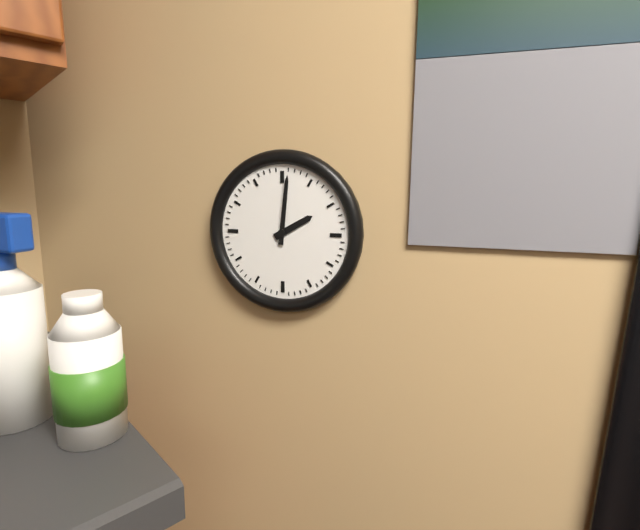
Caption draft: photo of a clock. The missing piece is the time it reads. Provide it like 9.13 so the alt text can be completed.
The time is 2.01
